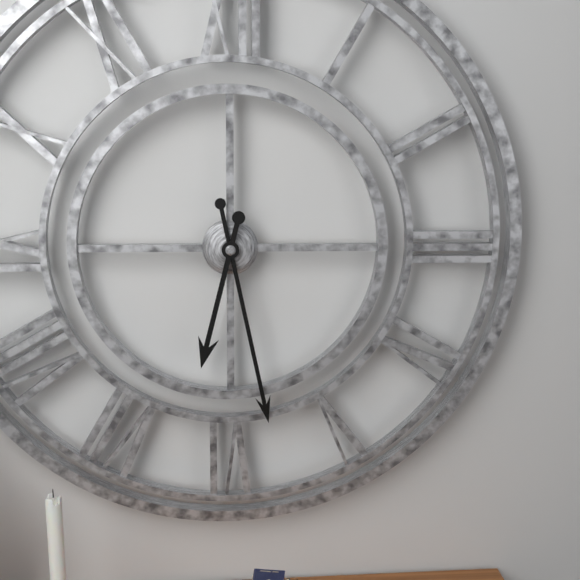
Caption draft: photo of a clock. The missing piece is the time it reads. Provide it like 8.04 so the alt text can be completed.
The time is 6.28
